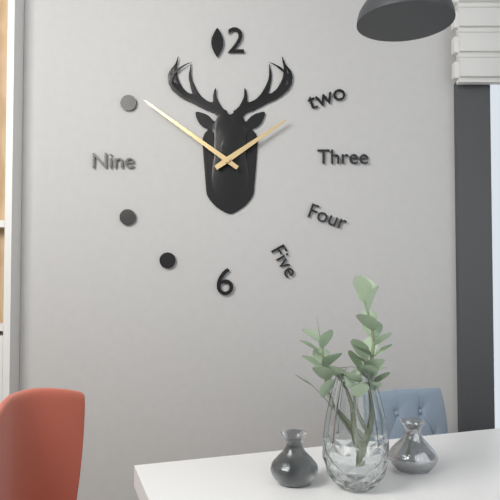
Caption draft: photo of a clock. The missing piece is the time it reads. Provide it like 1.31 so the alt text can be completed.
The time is 1.51
